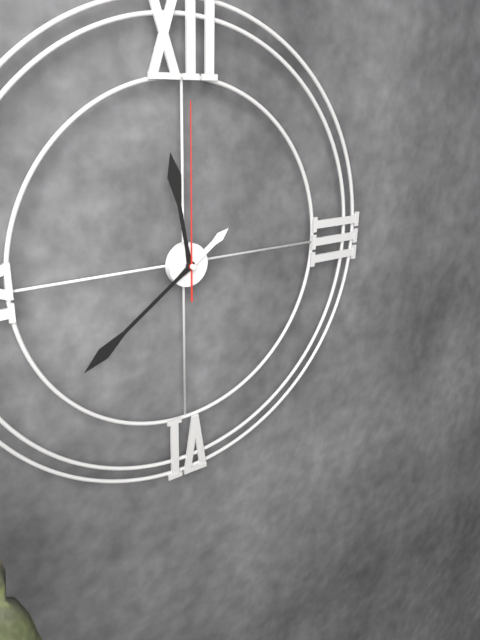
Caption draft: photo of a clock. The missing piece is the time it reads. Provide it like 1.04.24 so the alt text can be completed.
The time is 11.39.00
